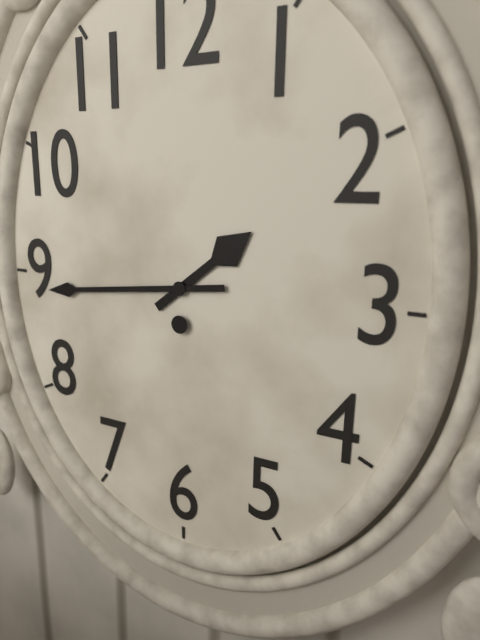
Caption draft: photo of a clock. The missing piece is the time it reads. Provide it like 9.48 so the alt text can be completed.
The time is 1.44
